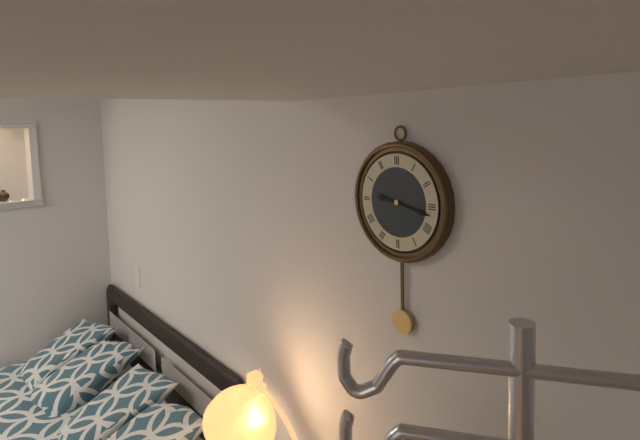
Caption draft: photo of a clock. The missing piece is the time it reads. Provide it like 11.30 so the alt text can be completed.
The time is 9.17
